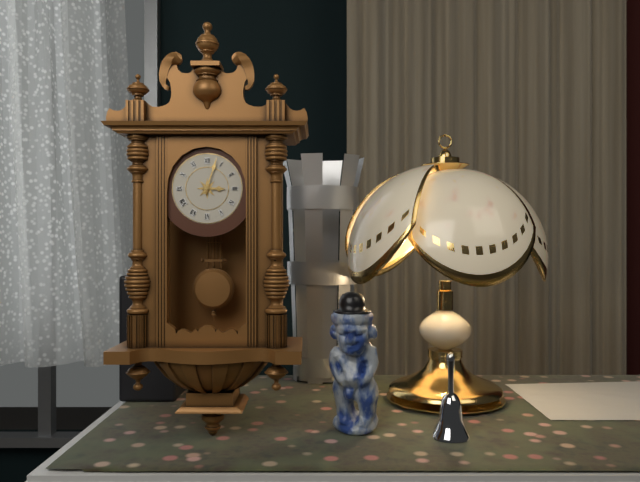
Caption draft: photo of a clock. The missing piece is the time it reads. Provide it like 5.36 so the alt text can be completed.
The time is 3.03
